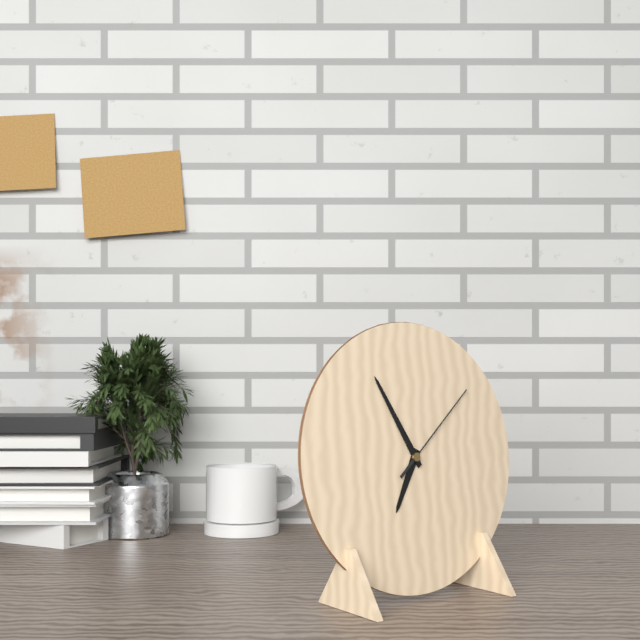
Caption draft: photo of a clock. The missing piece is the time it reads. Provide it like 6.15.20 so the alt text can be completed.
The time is 6.55.08
